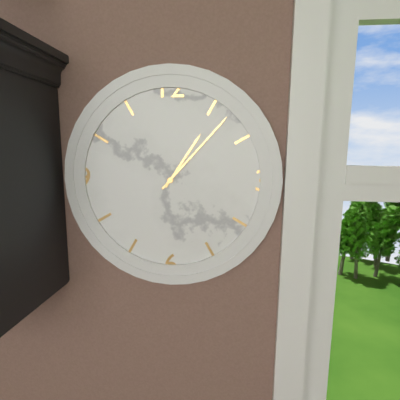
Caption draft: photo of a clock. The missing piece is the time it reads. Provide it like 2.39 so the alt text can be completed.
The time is 1.07
